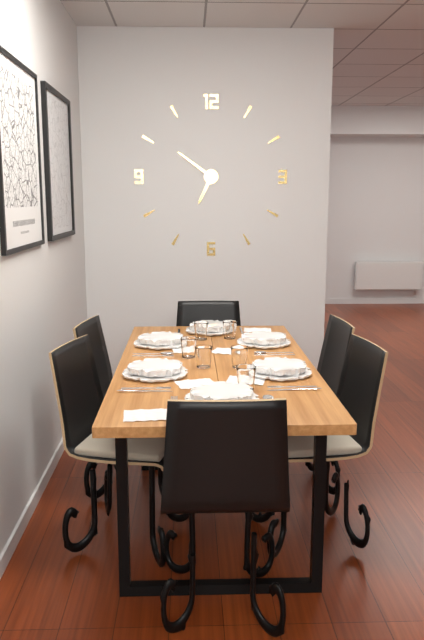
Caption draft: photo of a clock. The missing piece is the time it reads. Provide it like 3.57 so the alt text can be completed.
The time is 6.51
